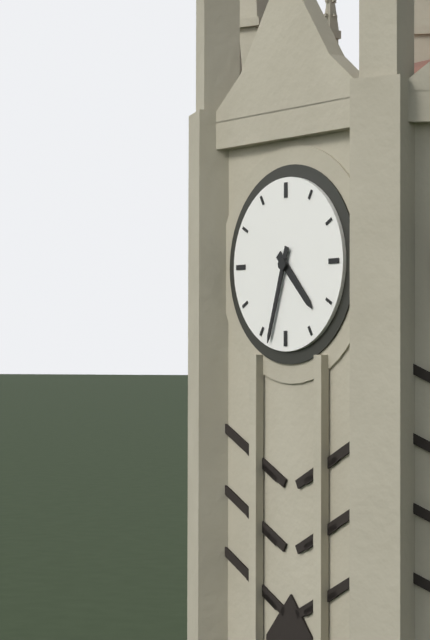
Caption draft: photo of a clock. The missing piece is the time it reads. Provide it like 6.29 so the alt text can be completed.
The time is 4.33
